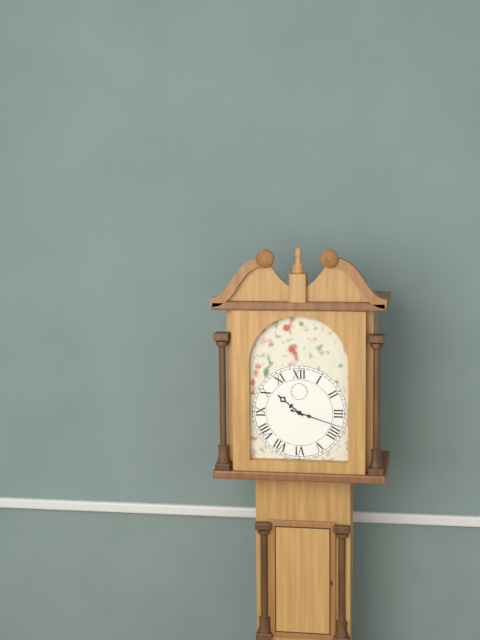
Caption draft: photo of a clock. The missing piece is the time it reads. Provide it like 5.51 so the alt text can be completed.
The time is 10.18
